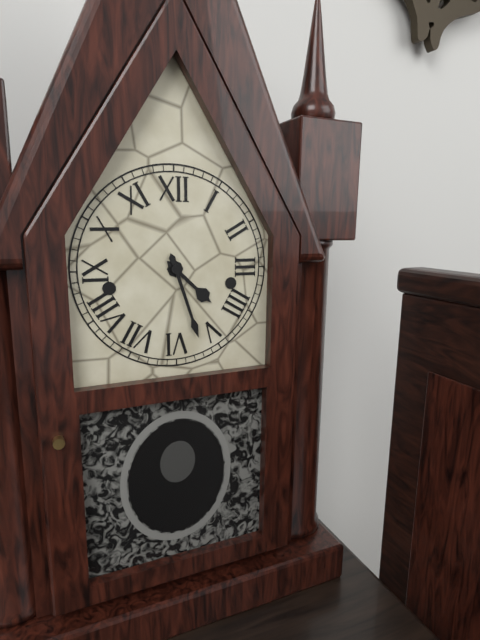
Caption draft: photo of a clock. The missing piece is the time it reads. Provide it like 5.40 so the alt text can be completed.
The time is 4.27
